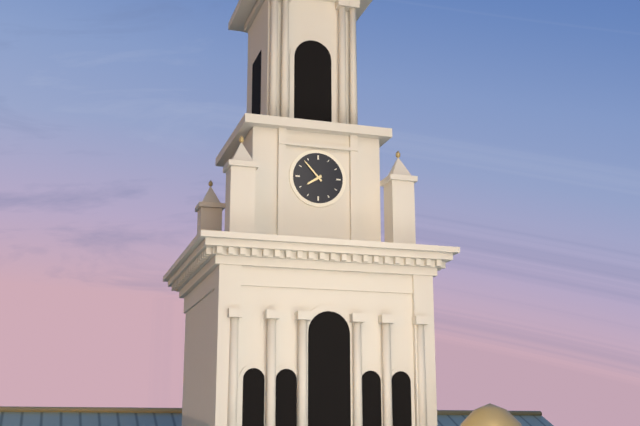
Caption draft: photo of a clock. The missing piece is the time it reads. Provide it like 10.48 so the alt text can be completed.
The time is 7.53
